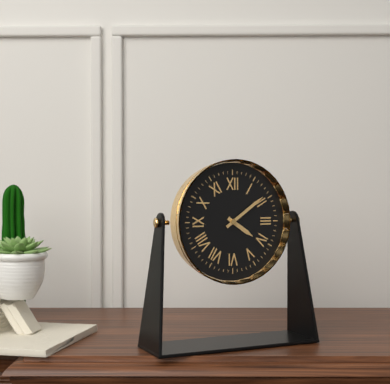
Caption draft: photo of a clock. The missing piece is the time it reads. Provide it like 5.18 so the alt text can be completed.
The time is 4.09
